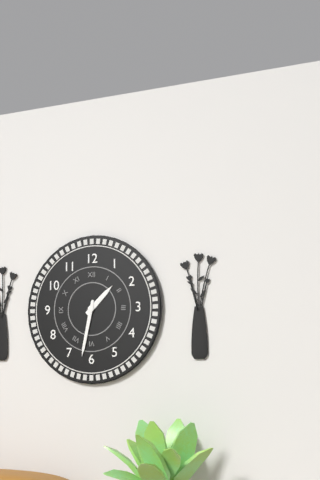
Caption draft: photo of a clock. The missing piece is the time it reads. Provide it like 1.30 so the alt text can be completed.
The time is 1.32
